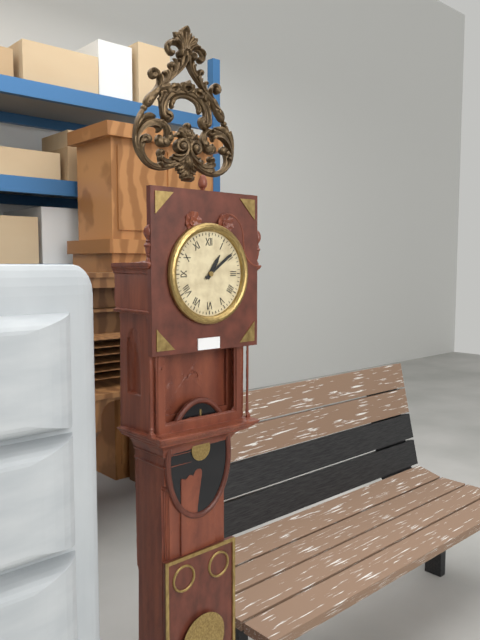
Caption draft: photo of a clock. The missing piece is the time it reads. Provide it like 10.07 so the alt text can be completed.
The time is 1.09
